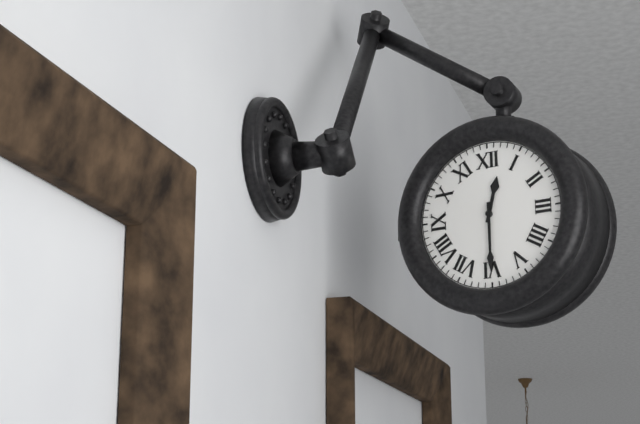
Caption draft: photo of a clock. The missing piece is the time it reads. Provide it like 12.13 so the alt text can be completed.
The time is 12.30
